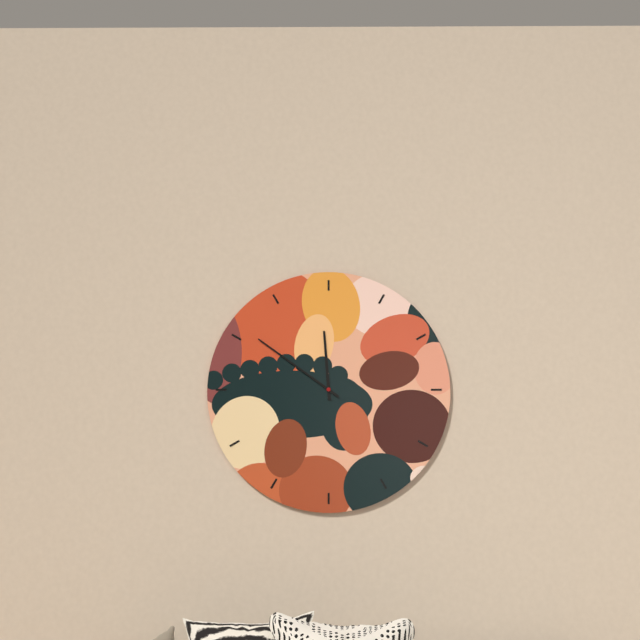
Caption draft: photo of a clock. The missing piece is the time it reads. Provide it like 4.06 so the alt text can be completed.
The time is 11.51
